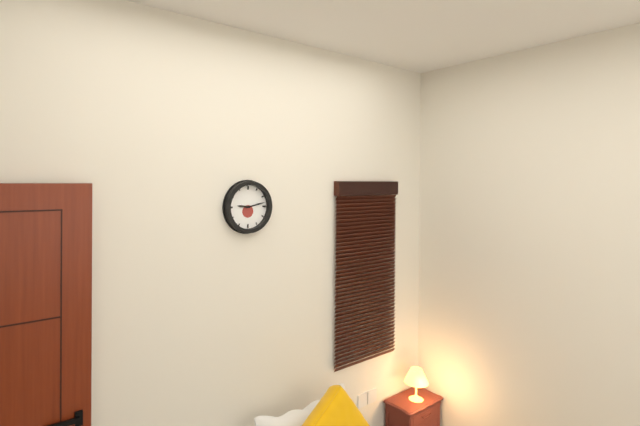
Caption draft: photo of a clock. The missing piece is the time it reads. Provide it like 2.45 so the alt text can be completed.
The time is 9.13
